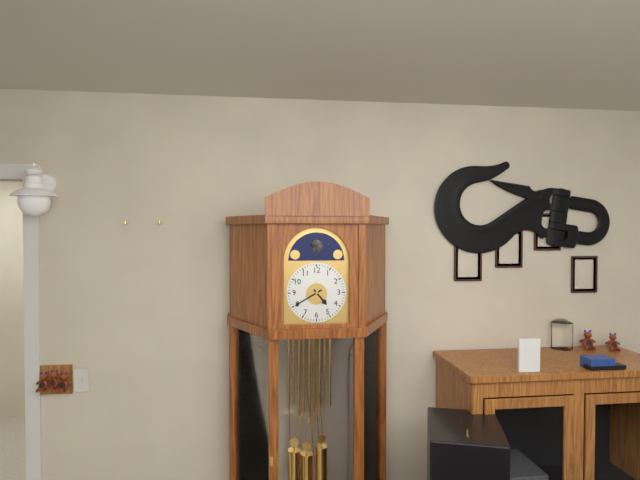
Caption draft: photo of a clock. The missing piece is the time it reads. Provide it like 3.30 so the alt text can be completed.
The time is 4.40
